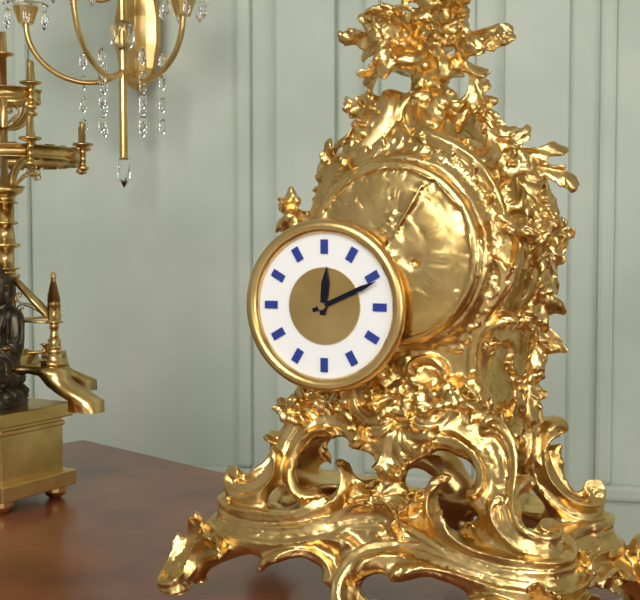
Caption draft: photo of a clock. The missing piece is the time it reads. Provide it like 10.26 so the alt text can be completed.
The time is 12.11
